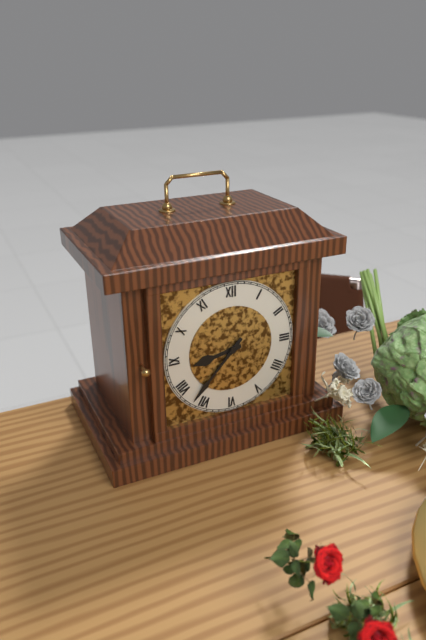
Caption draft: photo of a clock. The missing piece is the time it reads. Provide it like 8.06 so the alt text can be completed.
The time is 8.37
